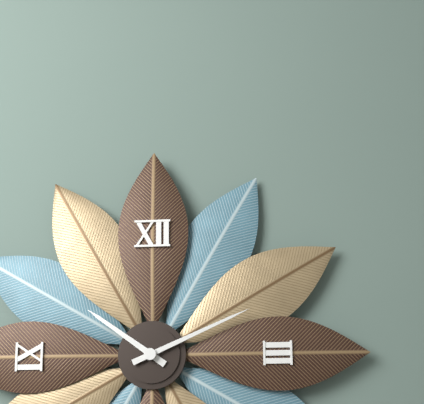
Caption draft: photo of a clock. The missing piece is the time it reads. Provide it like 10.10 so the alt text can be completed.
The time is 10.11
